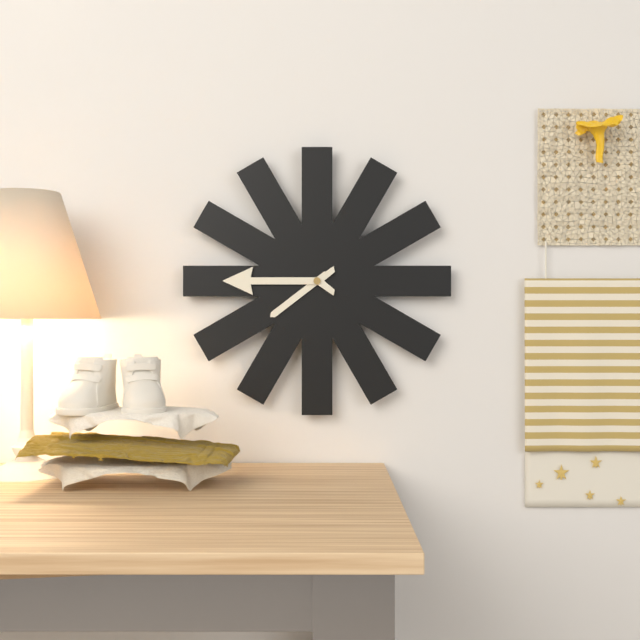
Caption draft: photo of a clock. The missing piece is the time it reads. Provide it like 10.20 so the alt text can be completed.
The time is 7.45
